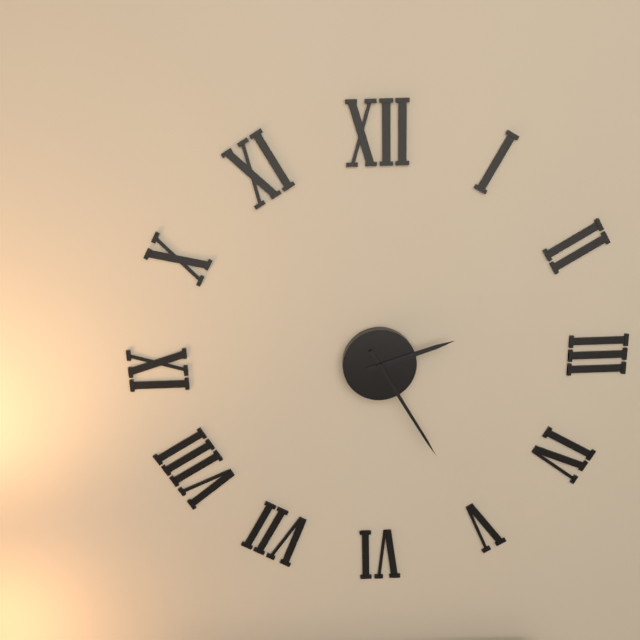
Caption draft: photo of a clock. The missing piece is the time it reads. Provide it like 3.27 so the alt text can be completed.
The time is 2.25
